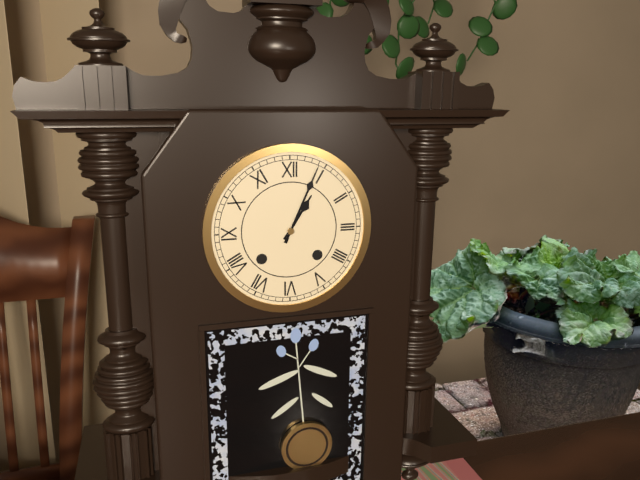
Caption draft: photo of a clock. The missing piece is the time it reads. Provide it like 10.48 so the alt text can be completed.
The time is 1.04
